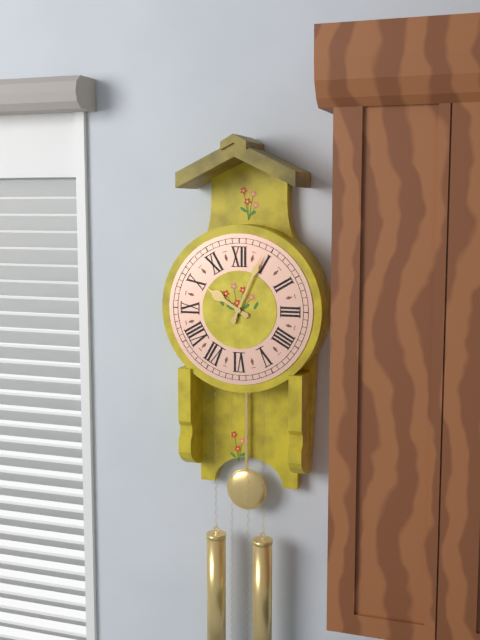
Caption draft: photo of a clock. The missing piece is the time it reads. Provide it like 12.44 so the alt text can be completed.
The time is 10.04
